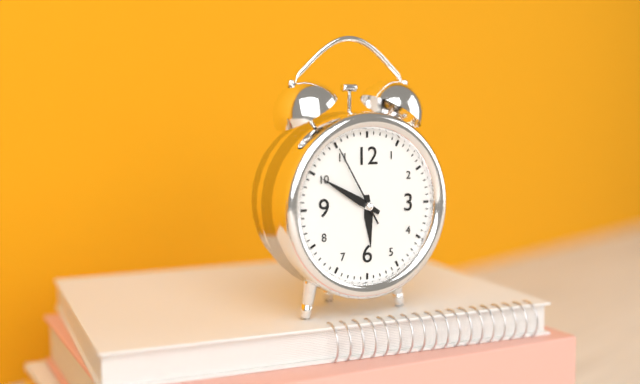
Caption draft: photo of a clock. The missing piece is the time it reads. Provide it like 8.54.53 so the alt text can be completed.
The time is 5.50.55
